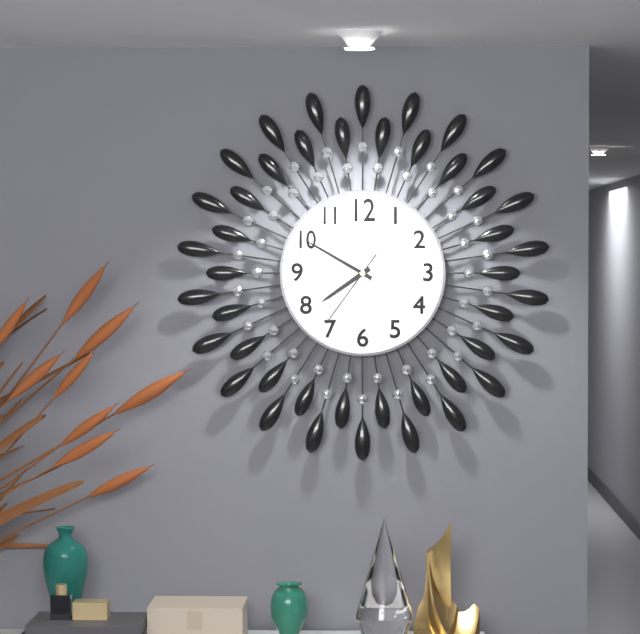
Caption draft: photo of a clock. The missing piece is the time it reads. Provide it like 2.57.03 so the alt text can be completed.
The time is 7.50.36
